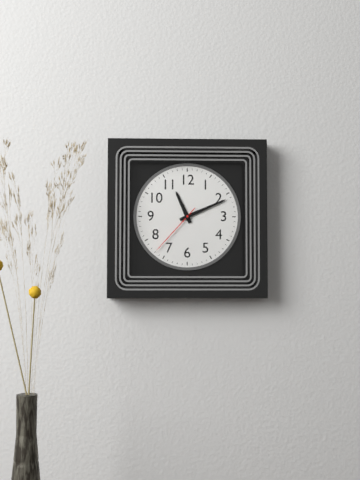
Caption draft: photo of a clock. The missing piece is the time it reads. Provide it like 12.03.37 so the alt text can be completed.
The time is 11.11.37
